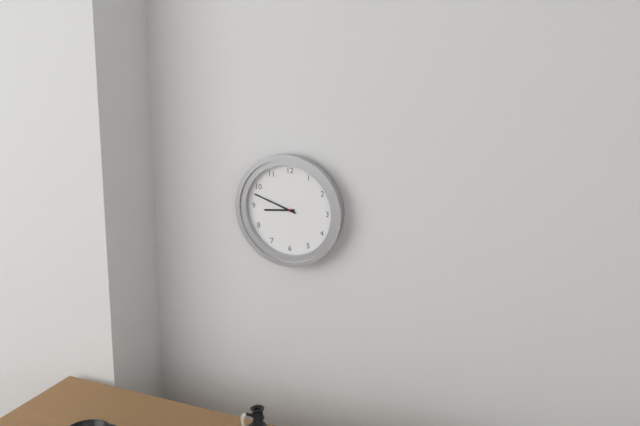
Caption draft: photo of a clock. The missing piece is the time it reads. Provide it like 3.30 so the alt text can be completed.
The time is 8.48
